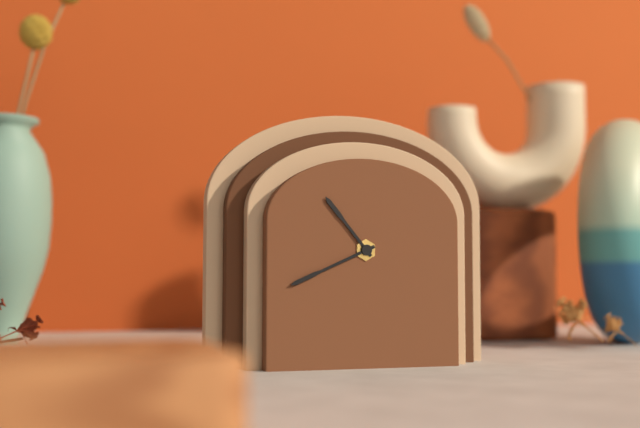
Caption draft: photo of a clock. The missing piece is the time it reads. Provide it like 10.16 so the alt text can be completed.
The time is 10.41
